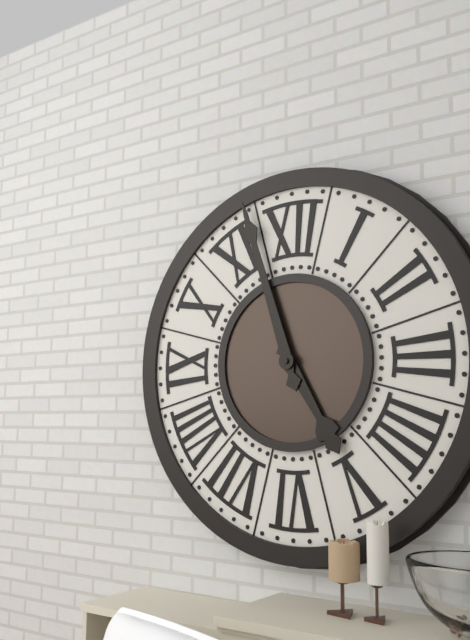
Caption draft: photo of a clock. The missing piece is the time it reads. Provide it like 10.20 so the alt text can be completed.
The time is 4.57
